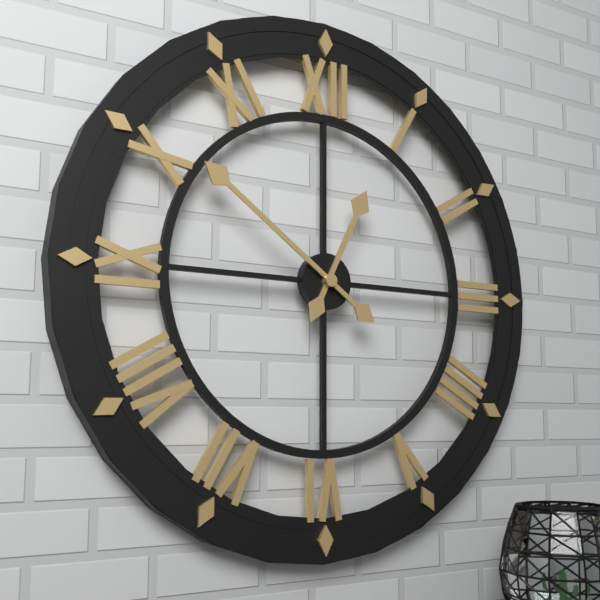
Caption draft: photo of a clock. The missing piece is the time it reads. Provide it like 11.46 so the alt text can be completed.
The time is 12.51
